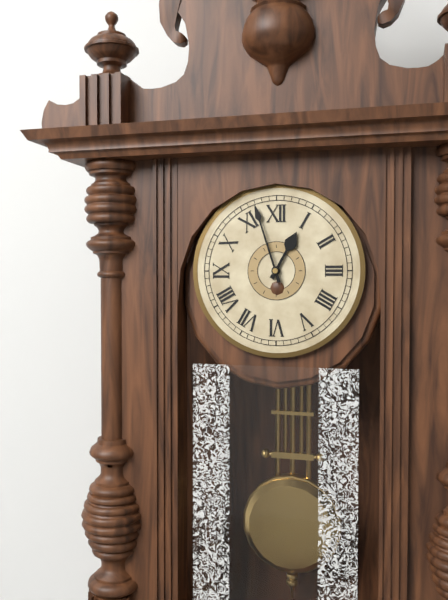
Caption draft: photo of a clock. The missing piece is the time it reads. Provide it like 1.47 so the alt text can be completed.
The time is 12.57
